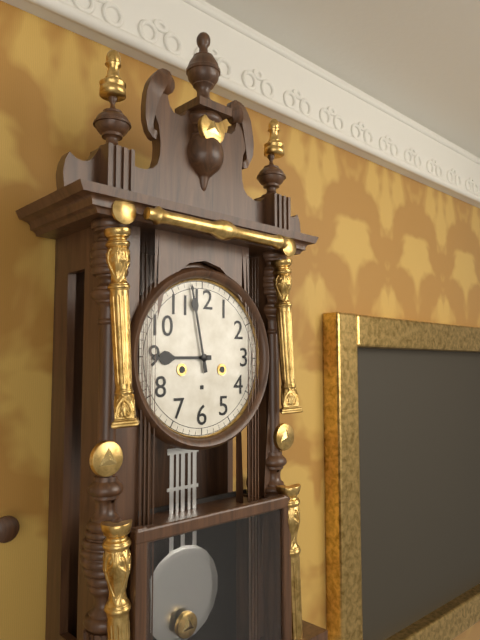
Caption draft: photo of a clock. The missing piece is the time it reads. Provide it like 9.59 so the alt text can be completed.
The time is 8.58
